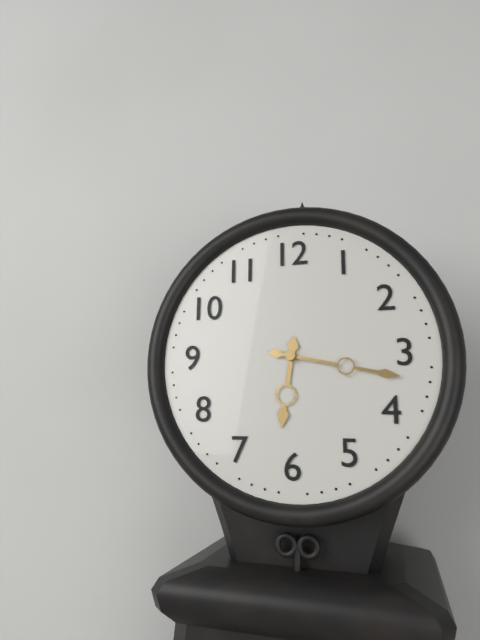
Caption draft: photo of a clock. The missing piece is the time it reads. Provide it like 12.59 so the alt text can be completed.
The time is 6.17
